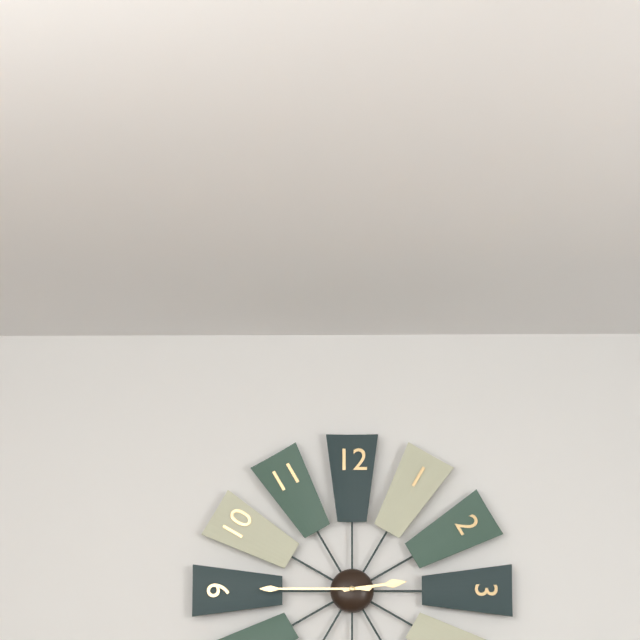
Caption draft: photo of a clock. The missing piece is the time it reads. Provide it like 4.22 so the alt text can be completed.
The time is 2.45
